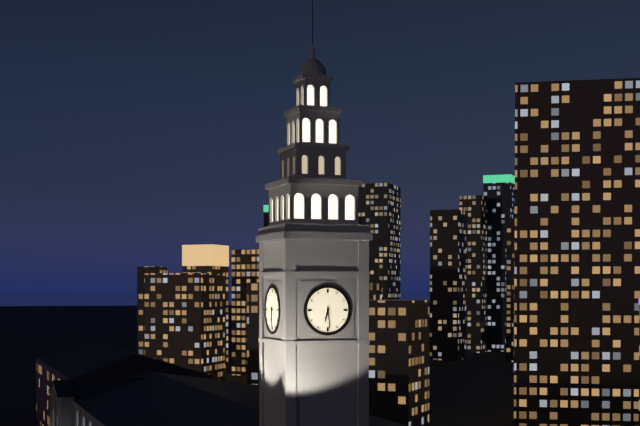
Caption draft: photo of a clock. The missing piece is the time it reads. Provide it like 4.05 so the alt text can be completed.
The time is 6.29
